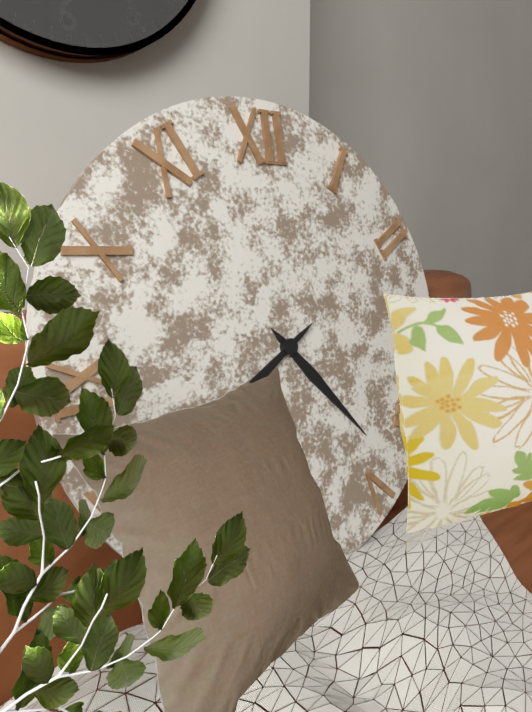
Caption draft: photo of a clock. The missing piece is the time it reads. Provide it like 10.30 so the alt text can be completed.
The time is 4.40
